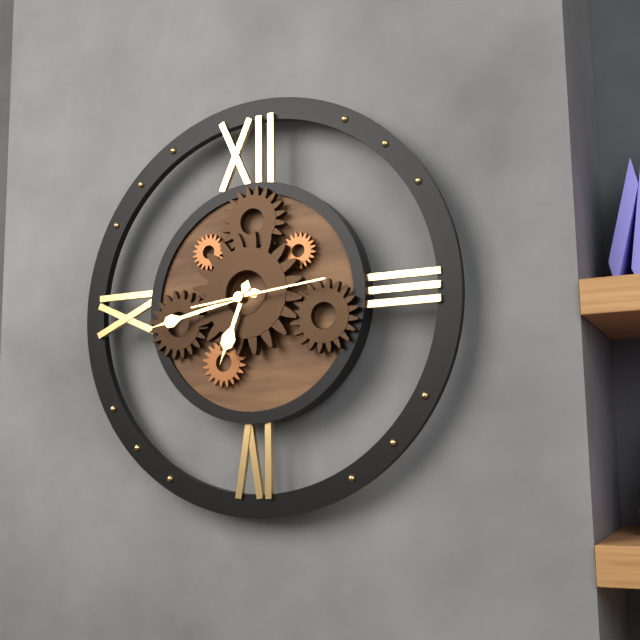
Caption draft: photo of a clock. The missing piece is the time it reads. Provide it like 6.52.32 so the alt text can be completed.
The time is 6.43.14
